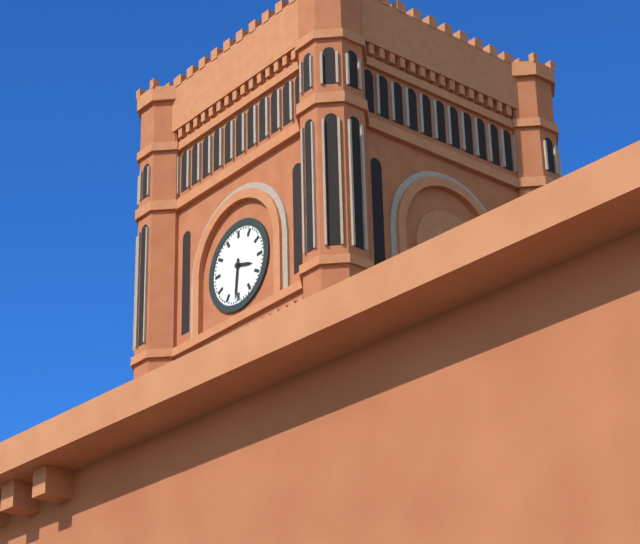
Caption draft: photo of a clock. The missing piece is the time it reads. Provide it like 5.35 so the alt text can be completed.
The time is 3.31
